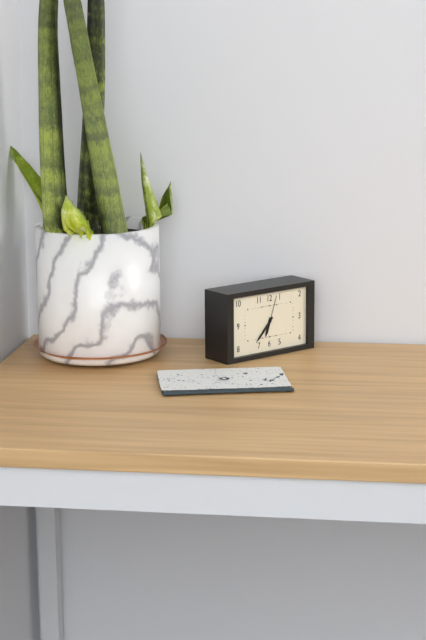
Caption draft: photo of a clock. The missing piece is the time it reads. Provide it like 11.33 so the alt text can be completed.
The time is 6.37
